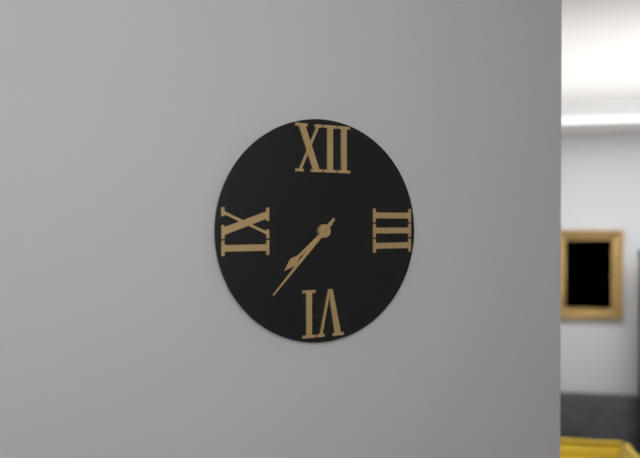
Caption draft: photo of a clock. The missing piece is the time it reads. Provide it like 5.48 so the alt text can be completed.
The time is 7.37
